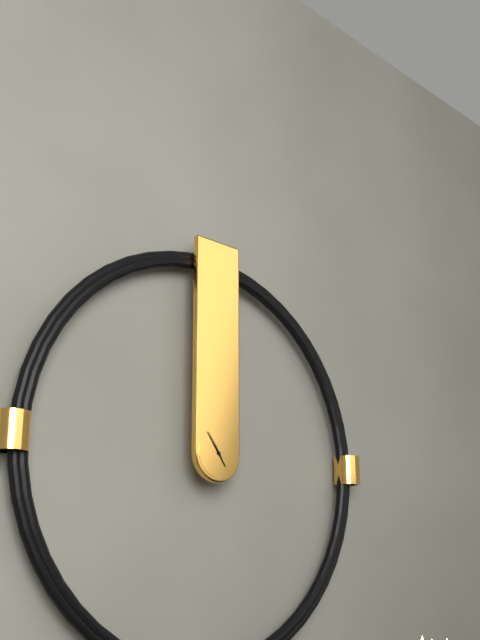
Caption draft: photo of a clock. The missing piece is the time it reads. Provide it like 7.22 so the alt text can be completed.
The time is 4.54
